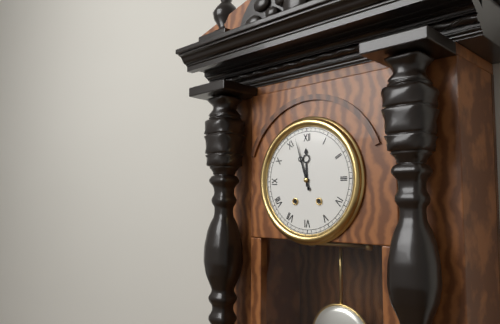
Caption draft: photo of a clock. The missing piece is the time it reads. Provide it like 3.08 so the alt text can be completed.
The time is 11.57
